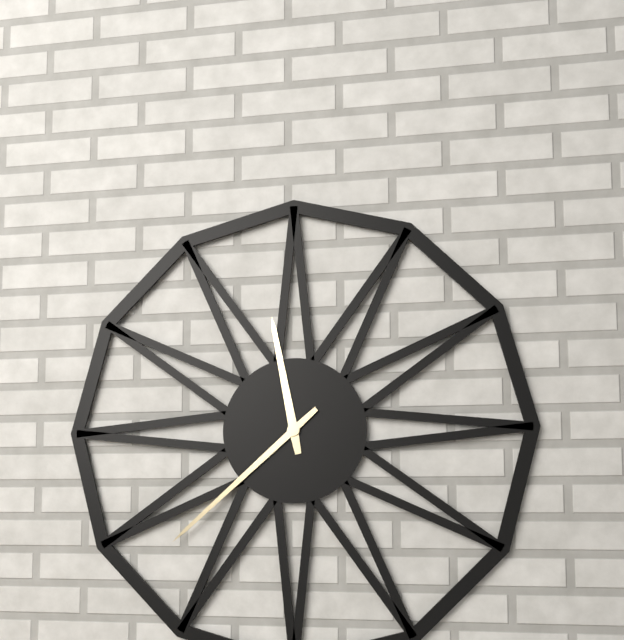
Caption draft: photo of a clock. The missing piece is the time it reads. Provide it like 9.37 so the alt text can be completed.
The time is 11.38
